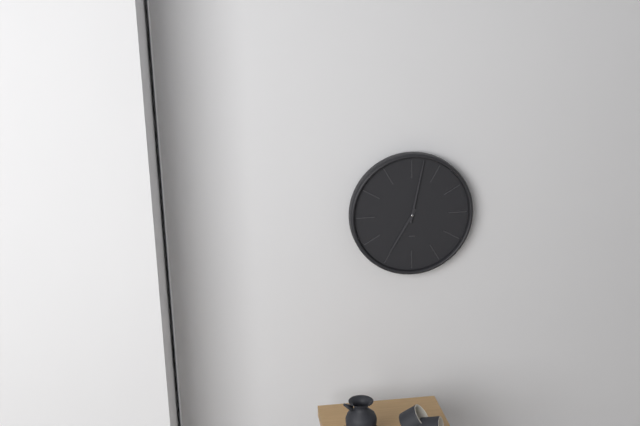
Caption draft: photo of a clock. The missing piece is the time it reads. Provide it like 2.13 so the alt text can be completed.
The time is 7.02
